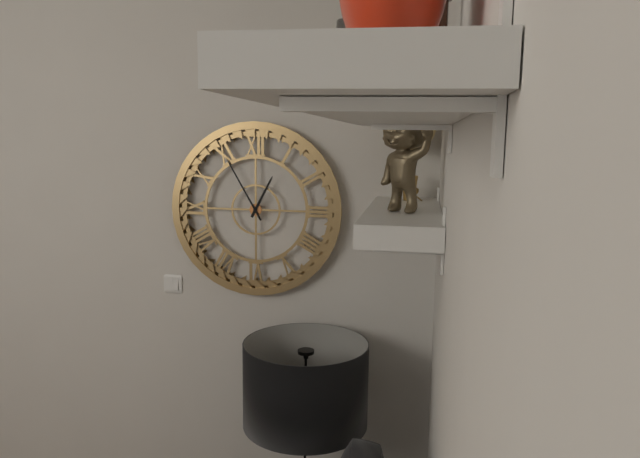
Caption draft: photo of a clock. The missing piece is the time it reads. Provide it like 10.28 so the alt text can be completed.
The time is 12.55
